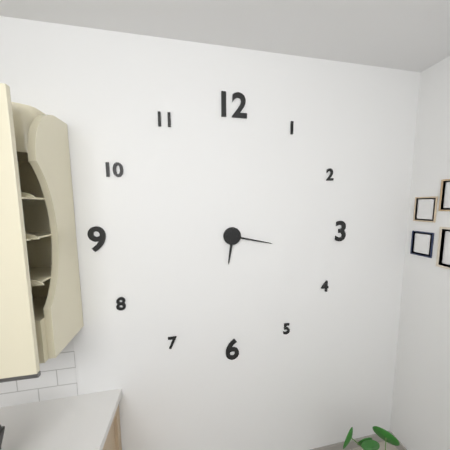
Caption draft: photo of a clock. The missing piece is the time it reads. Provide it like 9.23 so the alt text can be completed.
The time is 6.17
